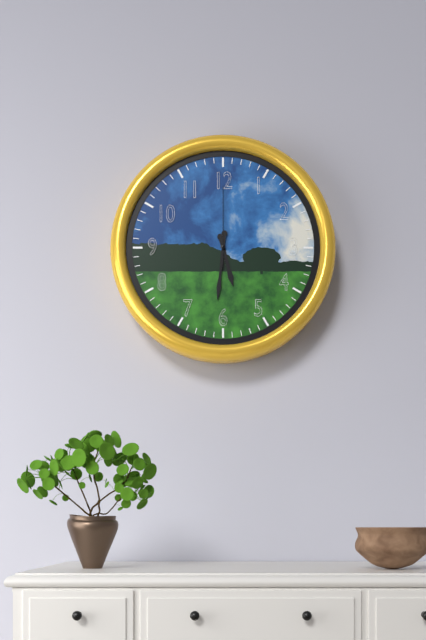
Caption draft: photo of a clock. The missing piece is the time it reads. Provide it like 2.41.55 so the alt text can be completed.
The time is 5.31.00
